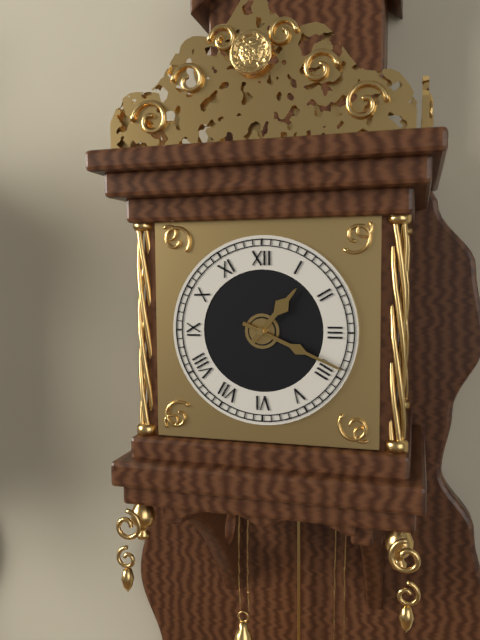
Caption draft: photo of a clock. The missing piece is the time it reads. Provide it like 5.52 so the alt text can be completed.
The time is 1.19
